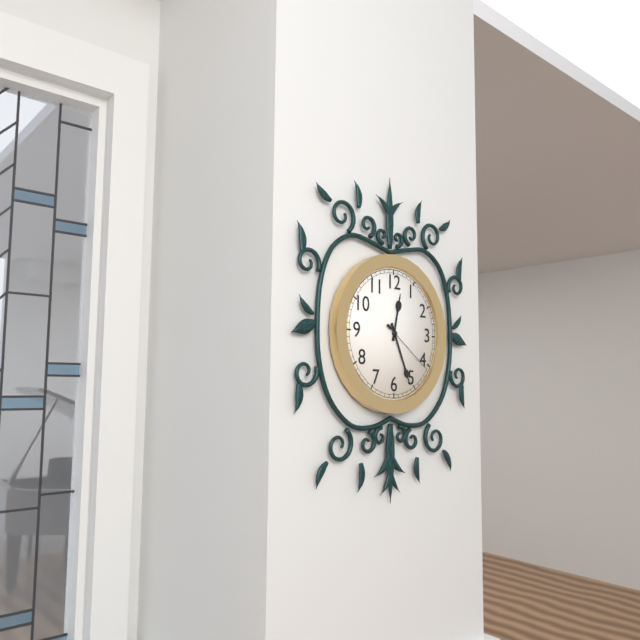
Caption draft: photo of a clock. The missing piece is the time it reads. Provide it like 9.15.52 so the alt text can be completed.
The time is 12.26.21
